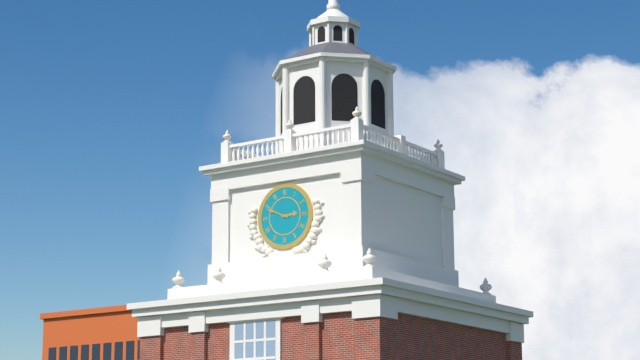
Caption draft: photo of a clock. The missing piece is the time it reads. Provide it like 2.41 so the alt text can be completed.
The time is 2.49
